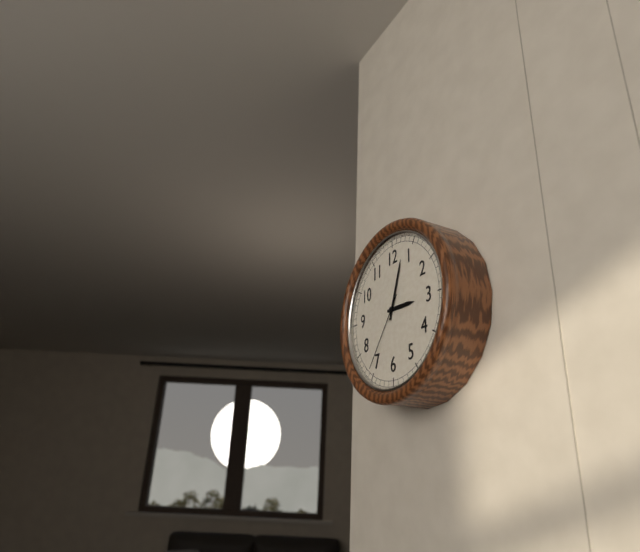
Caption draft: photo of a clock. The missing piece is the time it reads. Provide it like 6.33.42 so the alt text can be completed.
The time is 3.03.36
